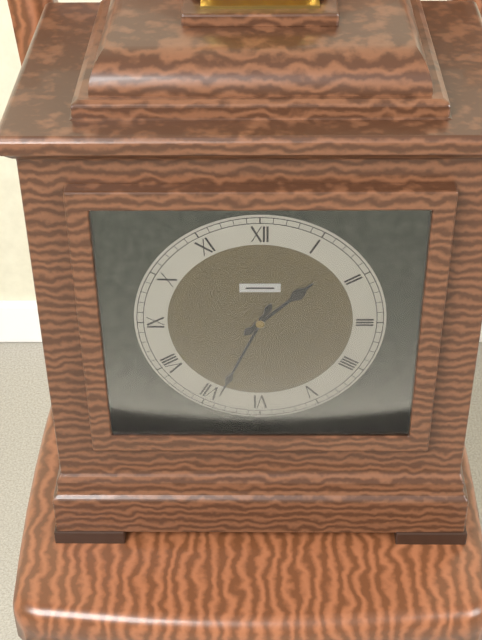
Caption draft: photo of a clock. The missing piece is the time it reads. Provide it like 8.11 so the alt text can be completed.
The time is 1.34
